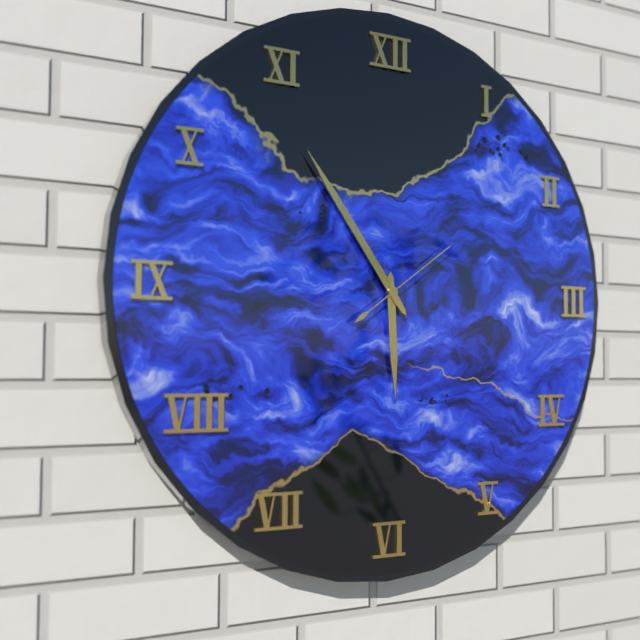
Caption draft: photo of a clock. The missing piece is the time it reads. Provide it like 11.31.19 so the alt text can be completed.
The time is 5.54.09
